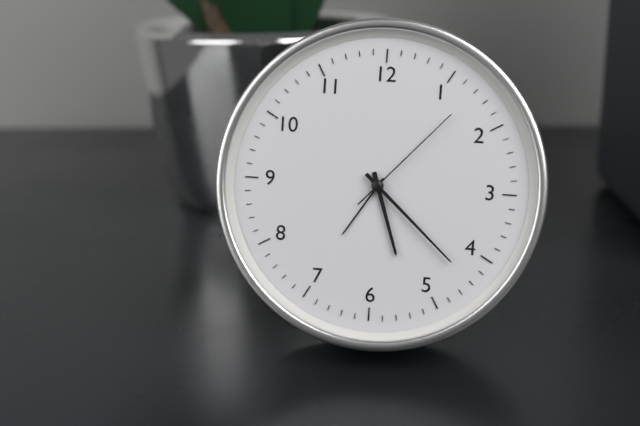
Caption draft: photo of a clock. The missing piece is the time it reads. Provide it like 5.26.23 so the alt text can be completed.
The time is 5.22.07
